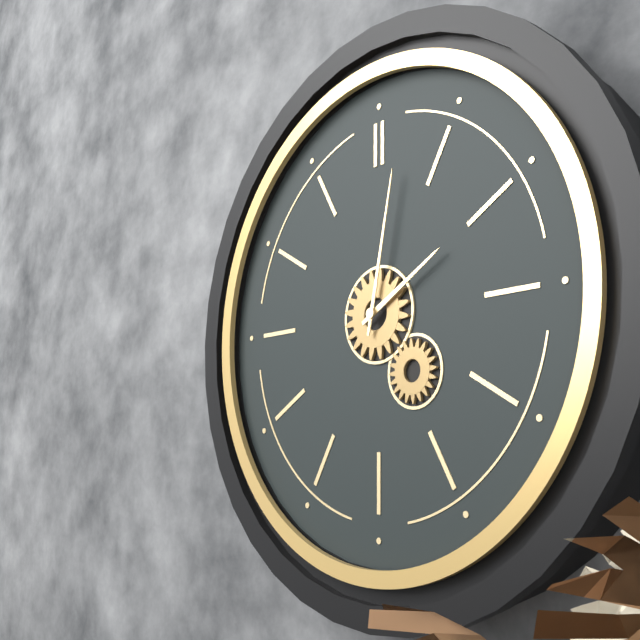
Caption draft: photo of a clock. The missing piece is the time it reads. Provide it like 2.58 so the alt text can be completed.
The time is 2.02
